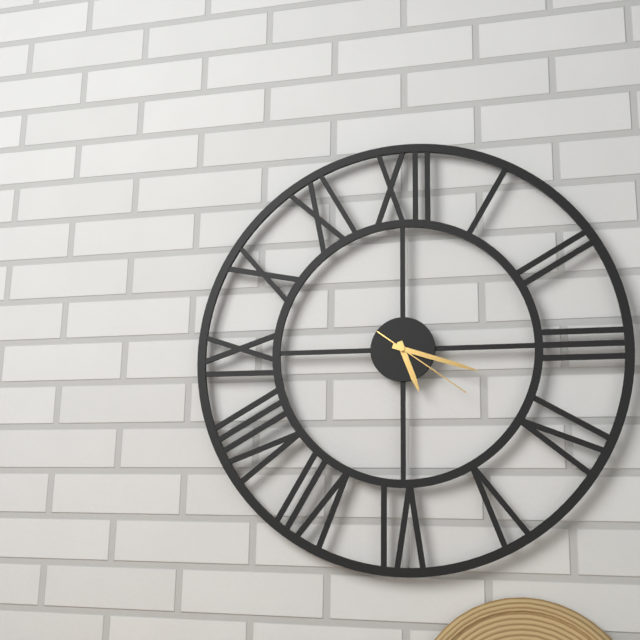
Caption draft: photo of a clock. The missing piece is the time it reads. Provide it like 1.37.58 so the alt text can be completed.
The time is 5.18.21
